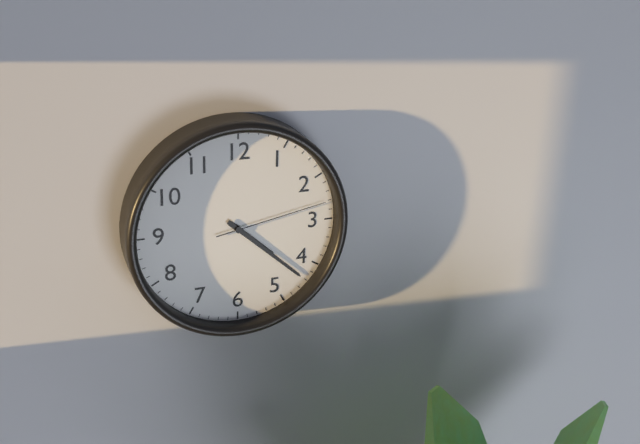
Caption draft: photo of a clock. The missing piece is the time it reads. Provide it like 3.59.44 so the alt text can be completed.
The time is 4.22.13
